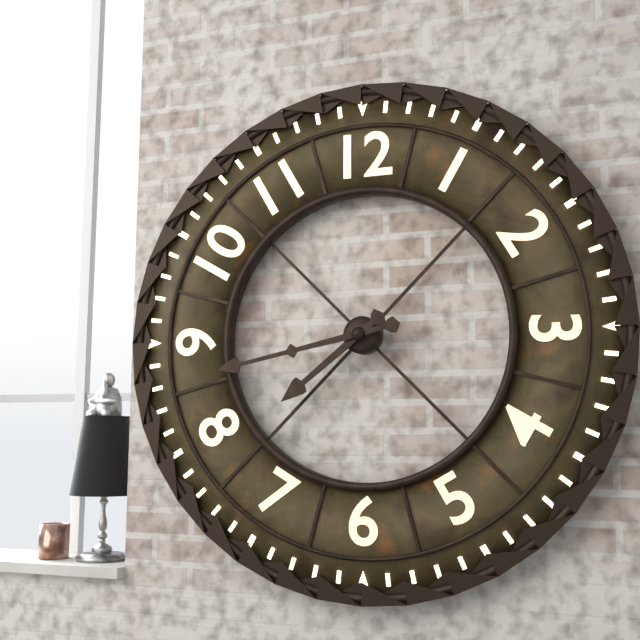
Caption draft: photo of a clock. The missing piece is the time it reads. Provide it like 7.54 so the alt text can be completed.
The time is 7.43
